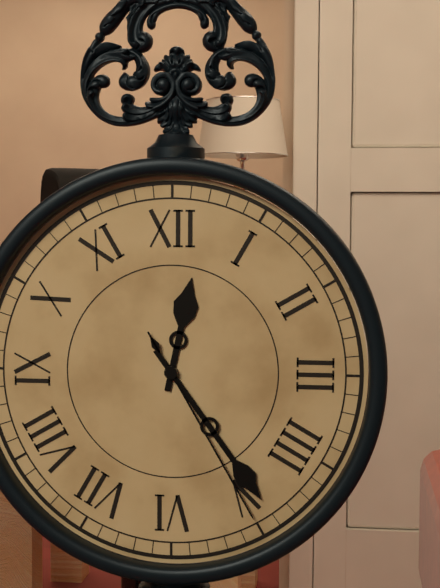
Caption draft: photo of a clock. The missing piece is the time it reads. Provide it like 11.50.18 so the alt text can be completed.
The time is 12.24.25
